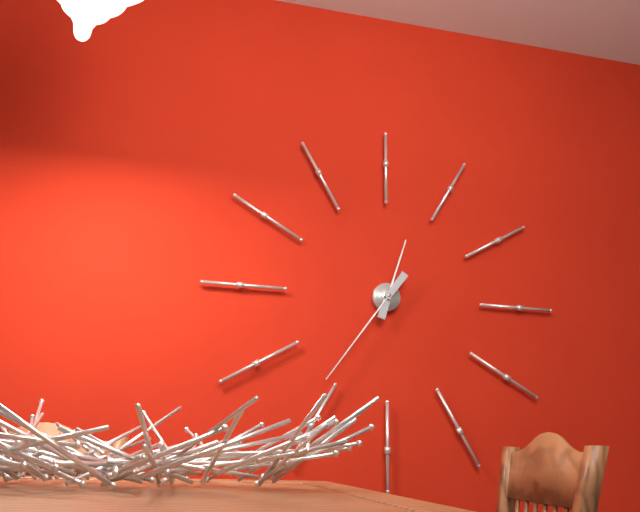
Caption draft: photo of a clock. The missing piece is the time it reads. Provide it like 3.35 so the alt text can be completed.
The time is 12.36
